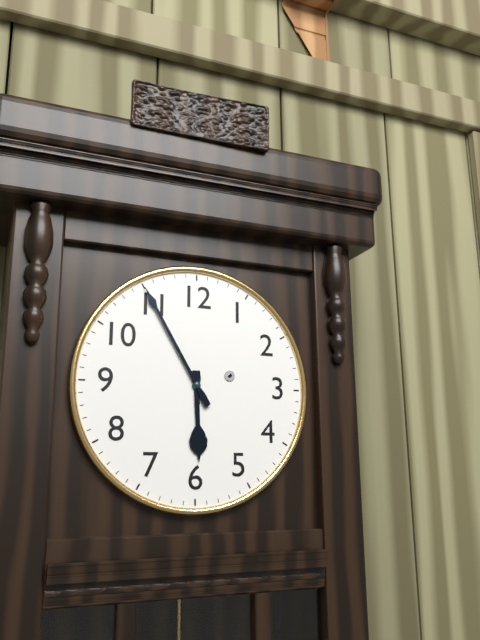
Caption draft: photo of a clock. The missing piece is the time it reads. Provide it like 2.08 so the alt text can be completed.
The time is 5.55
